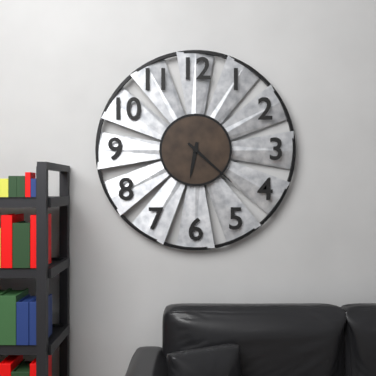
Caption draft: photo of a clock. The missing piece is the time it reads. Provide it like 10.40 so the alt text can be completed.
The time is 6.22
